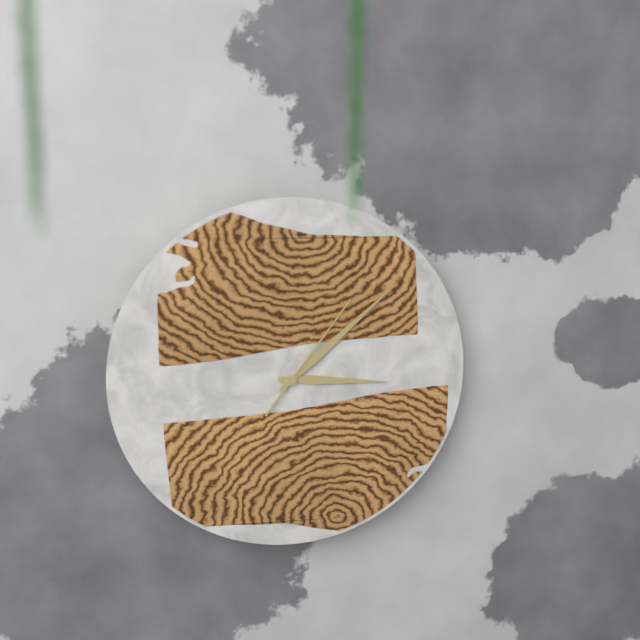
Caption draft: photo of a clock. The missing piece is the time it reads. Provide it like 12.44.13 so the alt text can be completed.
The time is 3.08.06
